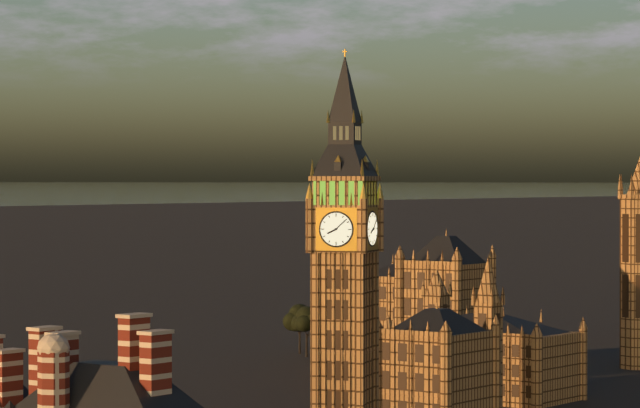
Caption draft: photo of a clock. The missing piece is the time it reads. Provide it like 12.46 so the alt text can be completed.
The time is 8.08
